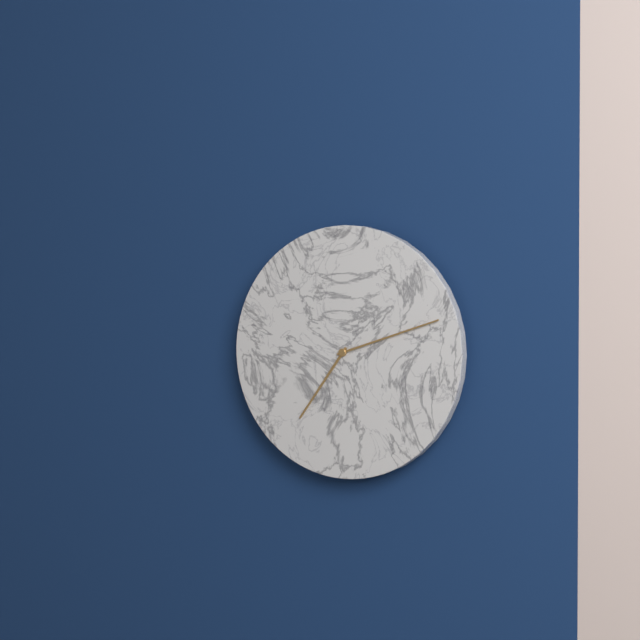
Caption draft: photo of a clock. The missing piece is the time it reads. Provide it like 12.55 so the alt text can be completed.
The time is 7.12
